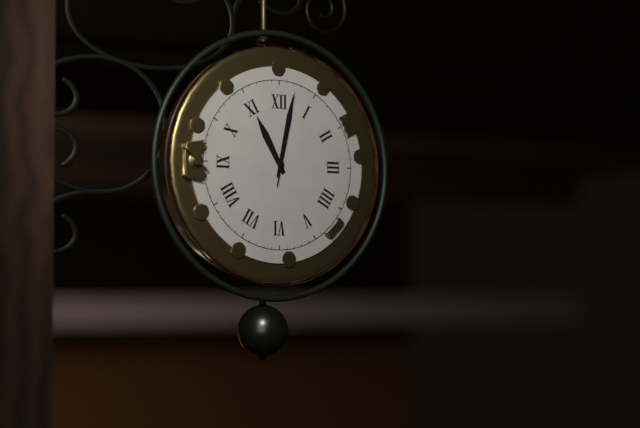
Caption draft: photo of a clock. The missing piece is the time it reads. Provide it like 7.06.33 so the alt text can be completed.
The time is 11.02.02
